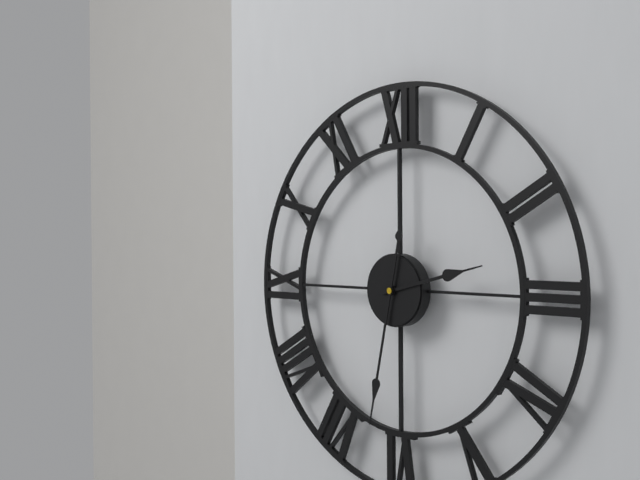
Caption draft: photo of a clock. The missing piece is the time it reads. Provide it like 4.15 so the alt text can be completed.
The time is 2.32
